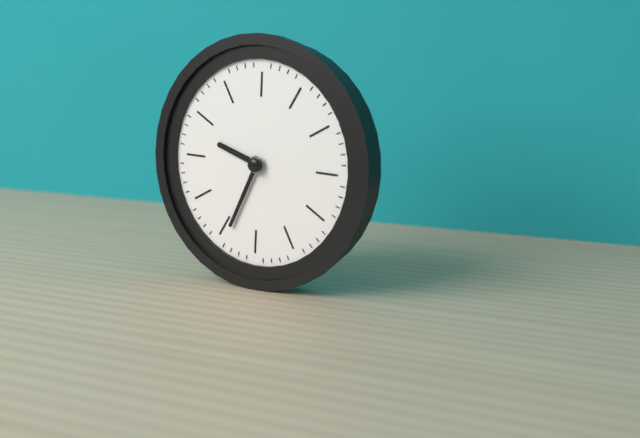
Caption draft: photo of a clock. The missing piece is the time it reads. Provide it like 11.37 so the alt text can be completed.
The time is 9.34
